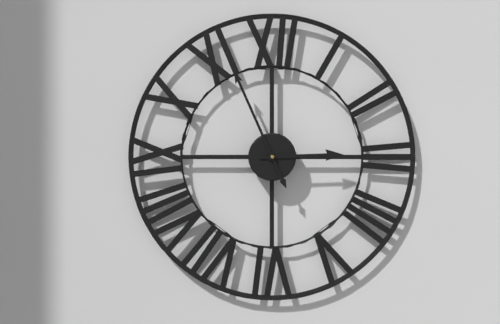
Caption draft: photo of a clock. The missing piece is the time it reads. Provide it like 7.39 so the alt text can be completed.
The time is 2.56
